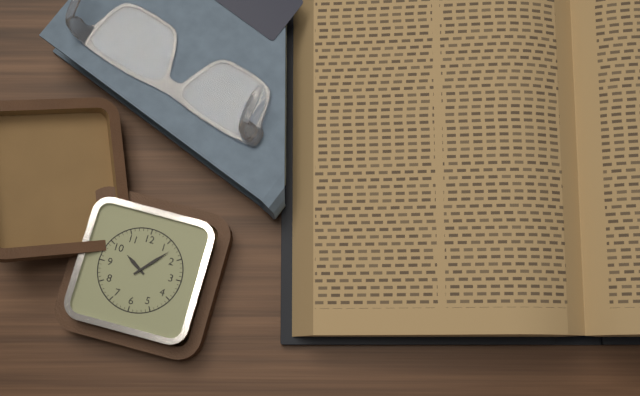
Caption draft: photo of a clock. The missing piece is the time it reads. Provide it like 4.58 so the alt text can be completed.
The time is 10.07
